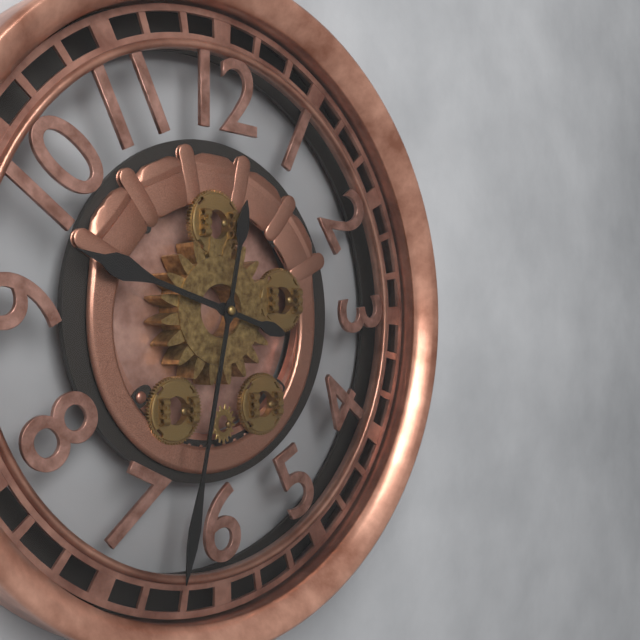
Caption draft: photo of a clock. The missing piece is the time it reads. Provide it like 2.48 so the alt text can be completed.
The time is 9.32
